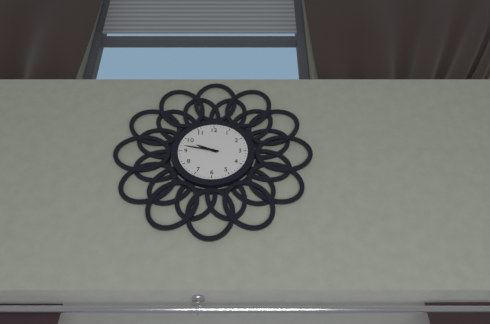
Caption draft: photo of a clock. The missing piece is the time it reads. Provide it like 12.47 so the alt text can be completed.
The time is 9.47
